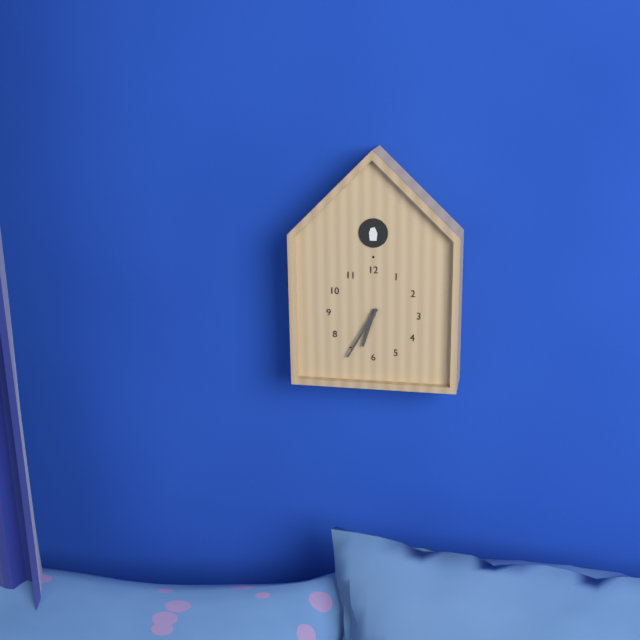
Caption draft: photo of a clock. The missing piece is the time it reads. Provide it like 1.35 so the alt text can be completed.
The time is 6.35
